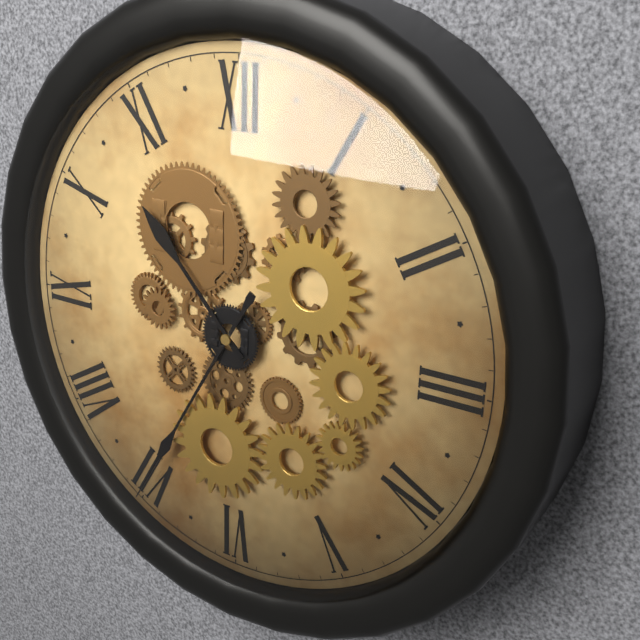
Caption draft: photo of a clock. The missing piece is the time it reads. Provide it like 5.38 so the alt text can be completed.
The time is 10.35
